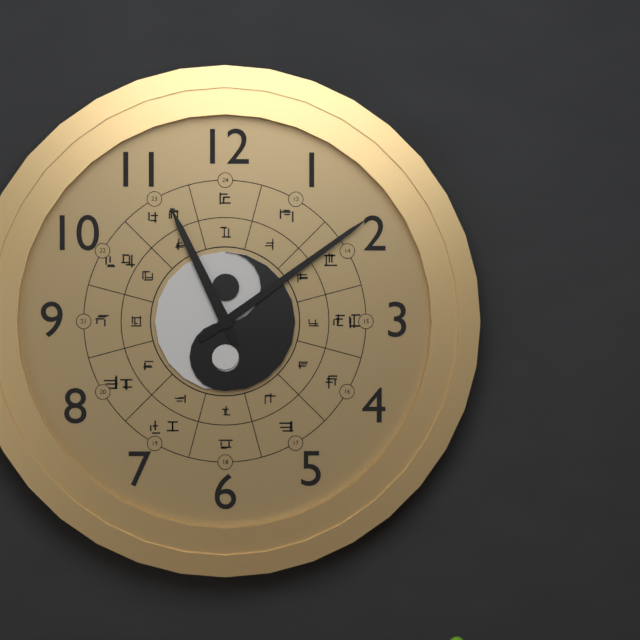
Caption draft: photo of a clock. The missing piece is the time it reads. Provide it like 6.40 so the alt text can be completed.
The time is 11.09
